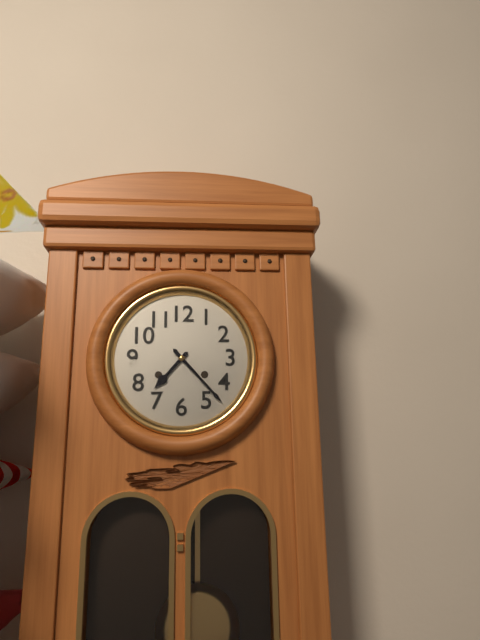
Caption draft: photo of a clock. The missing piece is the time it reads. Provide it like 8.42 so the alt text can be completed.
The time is 7.23
